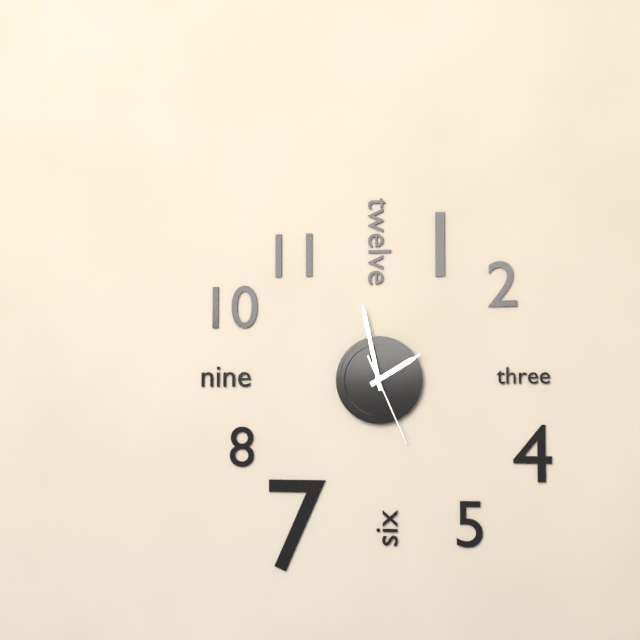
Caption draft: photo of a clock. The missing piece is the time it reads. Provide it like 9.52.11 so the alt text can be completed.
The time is 1.58.26
